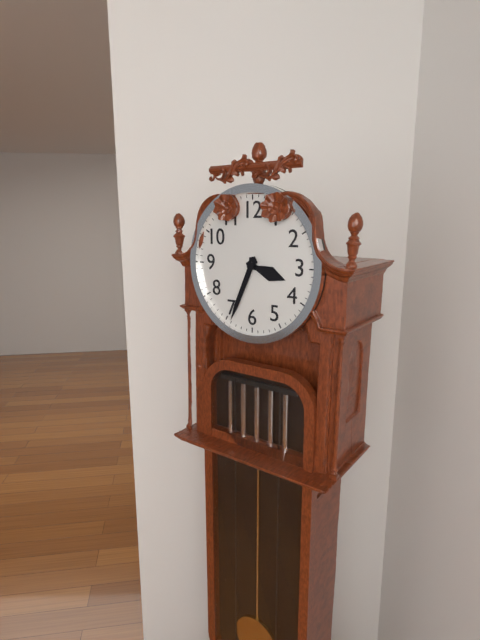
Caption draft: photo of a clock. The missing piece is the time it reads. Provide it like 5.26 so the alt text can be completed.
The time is 3.34
